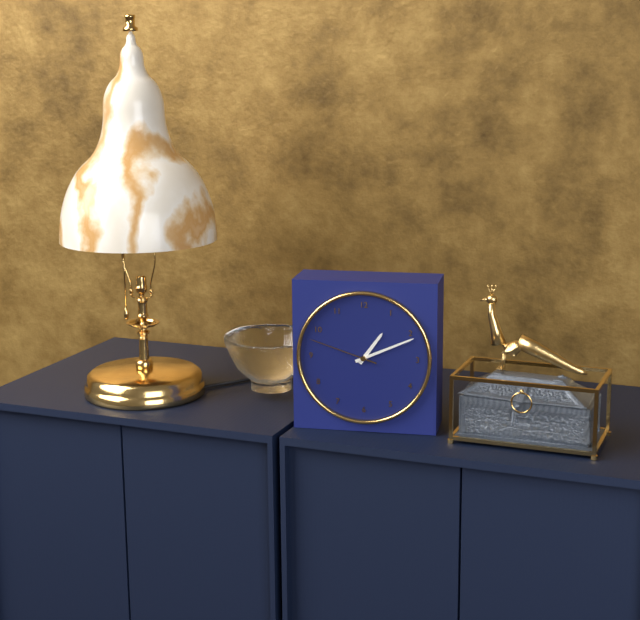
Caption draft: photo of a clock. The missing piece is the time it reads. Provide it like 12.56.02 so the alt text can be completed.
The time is 1.11.48
